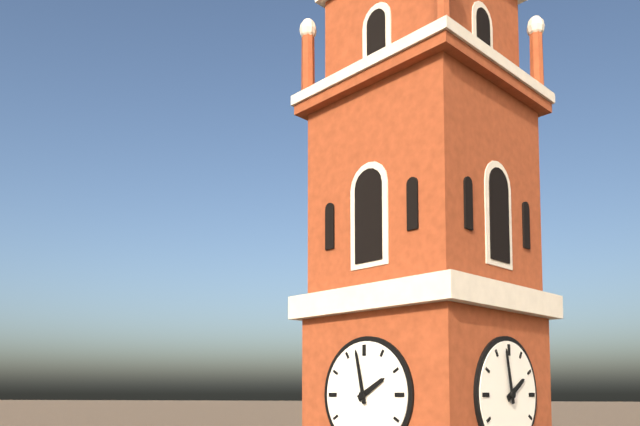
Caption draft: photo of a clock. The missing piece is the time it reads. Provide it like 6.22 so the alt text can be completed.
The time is 1.58
